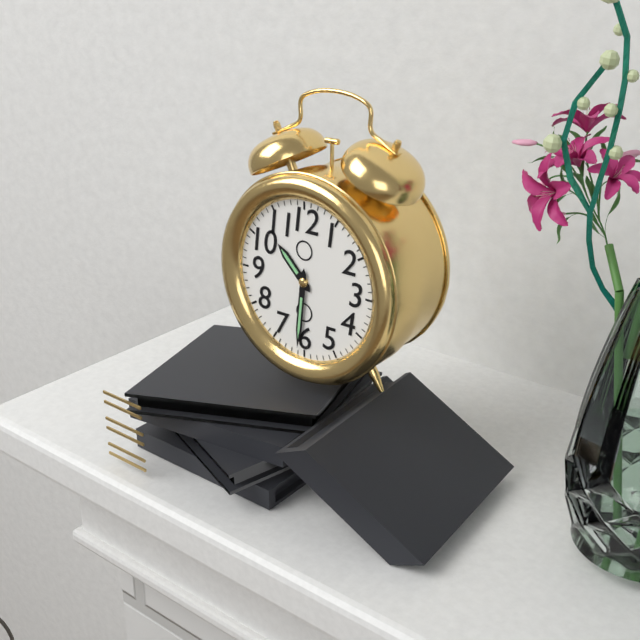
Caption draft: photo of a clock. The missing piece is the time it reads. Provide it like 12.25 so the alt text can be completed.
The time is 10.31
